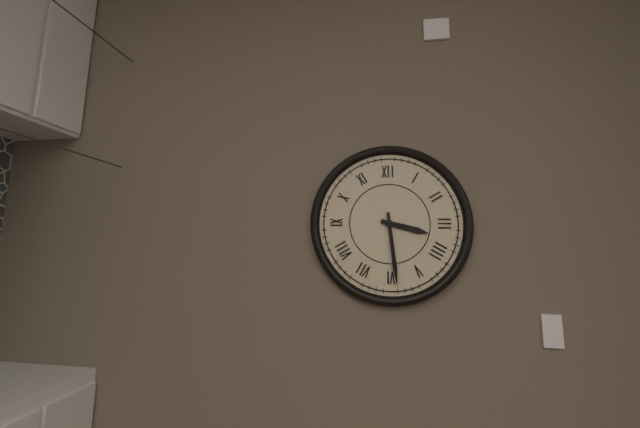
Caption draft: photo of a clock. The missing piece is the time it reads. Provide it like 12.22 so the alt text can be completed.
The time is 3.29
